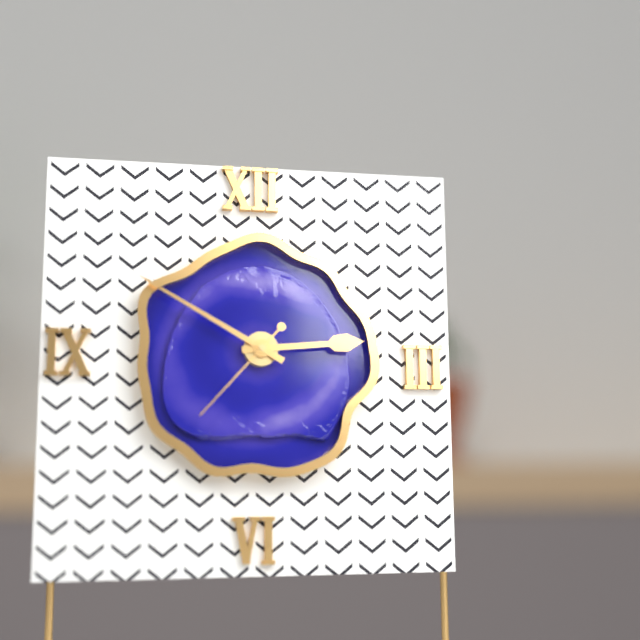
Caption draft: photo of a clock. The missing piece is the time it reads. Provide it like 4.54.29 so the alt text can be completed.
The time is 2.50.37
